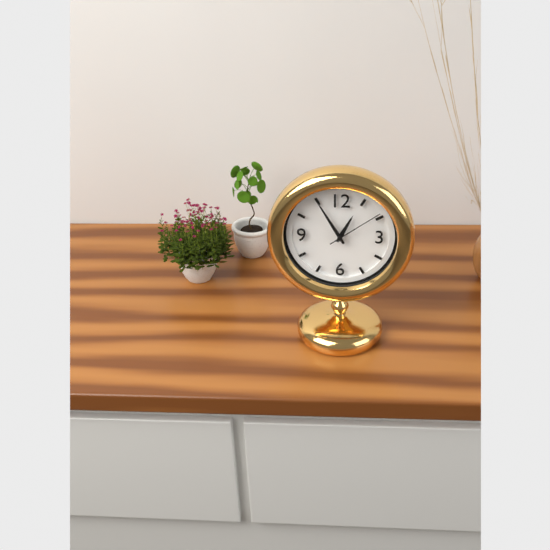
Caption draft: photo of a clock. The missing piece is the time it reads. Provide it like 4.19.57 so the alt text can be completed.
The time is 12.55.09
